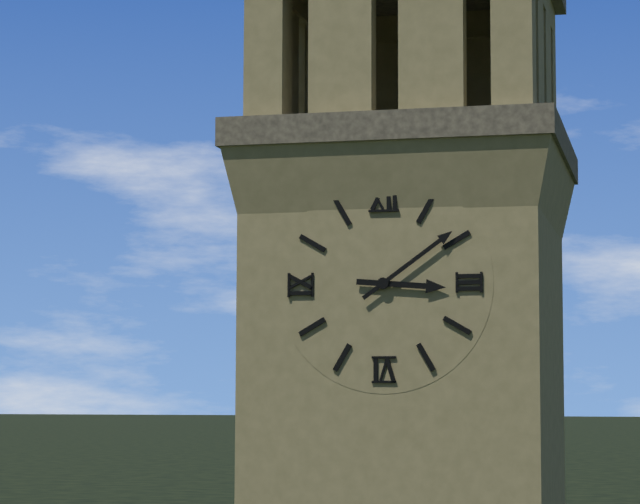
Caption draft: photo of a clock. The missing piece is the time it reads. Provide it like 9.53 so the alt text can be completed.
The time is 3.09
